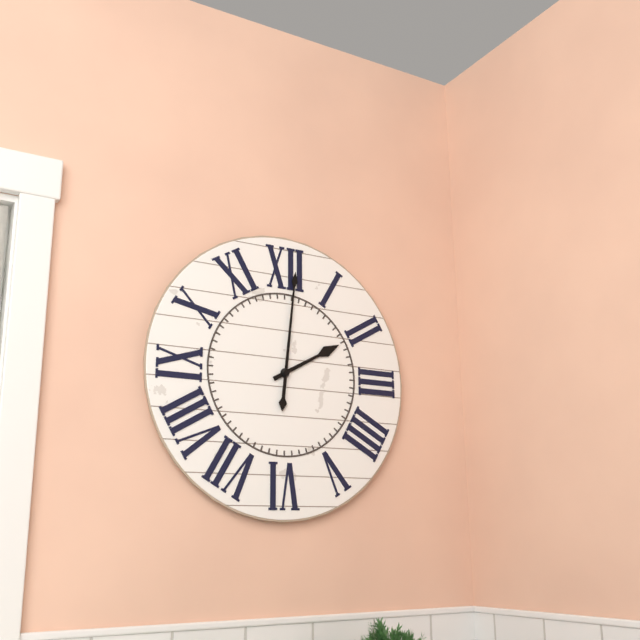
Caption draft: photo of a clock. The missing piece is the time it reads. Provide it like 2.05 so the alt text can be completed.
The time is 2.01
